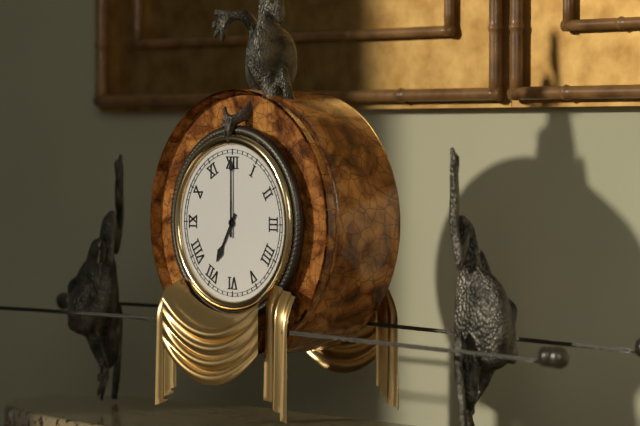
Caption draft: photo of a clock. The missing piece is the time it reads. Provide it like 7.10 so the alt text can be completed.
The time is 7.00
